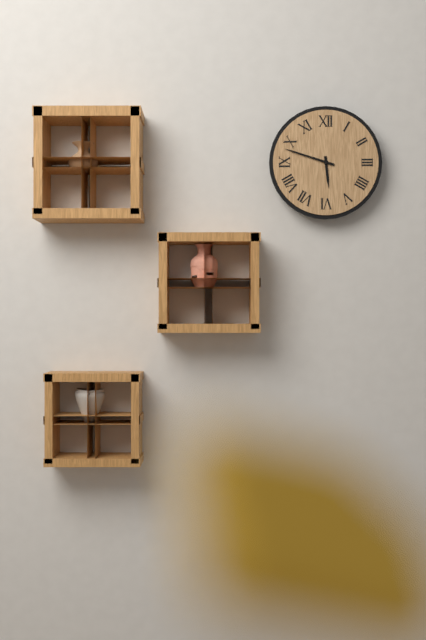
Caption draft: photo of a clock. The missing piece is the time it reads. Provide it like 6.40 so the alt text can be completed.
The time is 5.48
